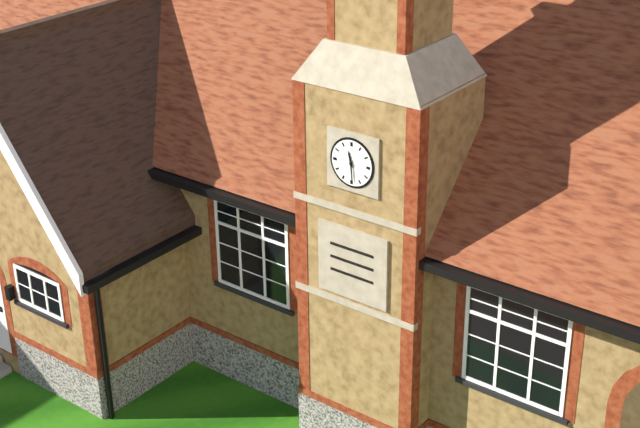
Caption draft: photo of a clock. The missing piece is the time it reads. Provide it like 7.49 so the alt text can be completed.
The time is 11.29
